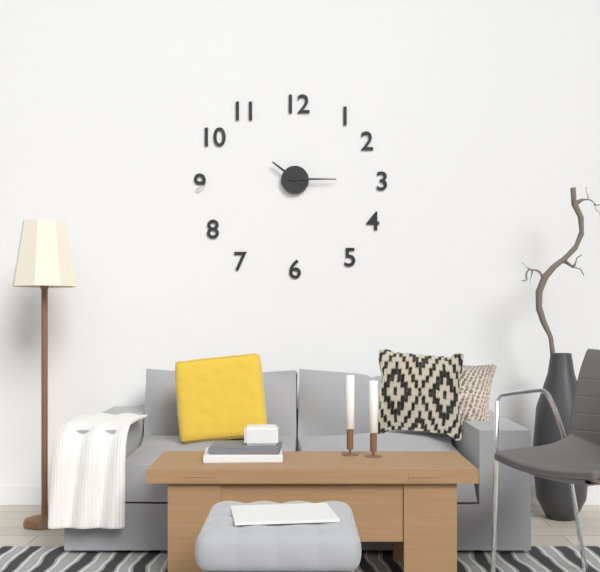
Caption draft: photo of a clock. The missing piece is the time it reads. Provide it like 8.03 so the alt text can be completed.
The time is 10.15
